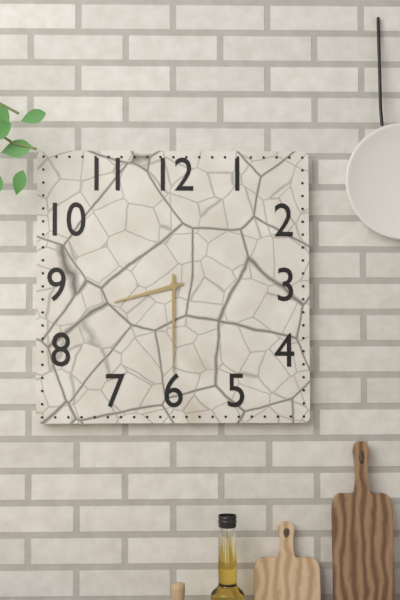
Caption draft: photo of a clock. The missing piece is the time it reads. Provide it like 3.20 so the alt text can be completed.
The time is 8.30
